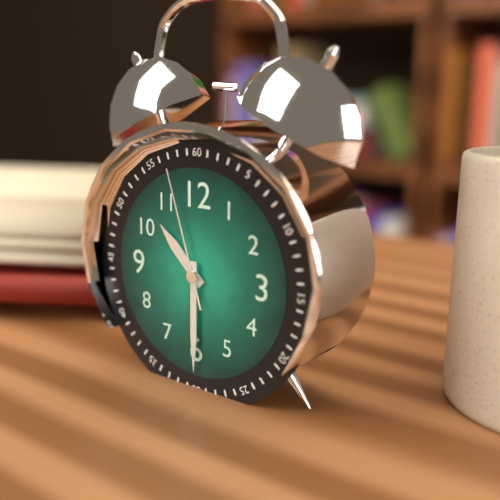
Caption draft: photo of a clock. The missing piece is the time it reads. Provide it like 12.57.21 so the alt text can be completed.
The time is 10.30.57
